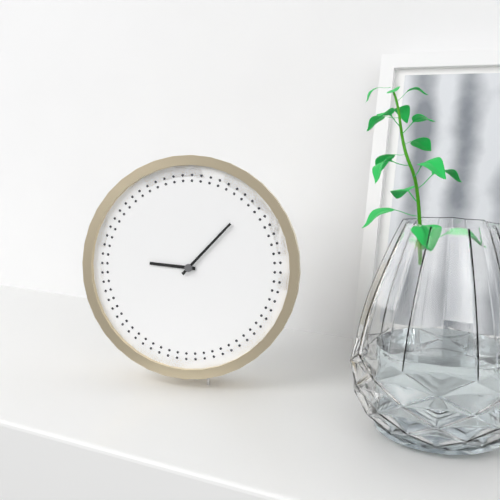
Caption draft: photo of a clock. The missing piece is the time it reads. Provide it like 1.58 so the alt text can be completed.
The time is 9.07
